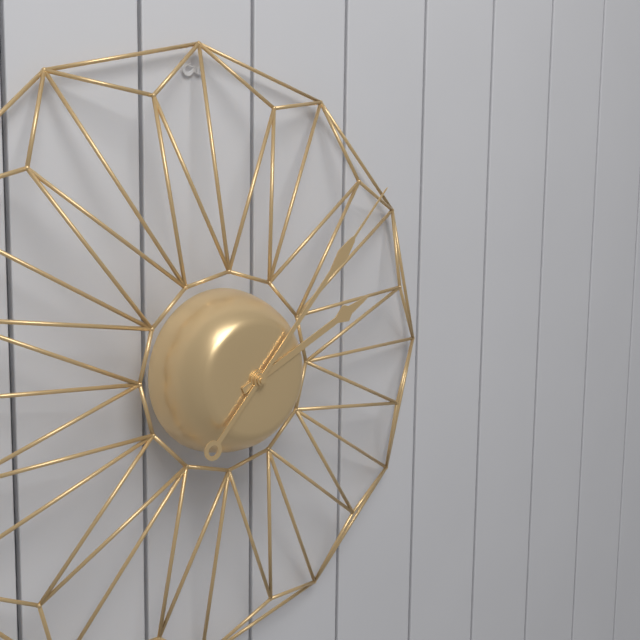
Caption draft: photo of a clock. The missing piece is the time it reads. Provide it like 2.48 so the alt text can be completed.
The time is 2.07
